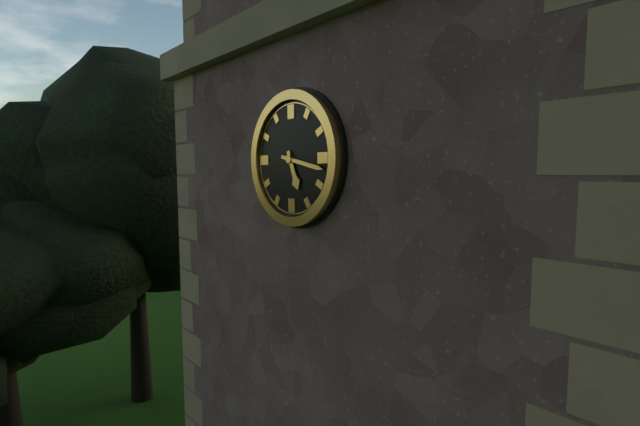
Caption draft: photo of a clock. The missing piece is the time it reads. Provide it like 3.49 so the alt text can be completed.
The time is 5.17
